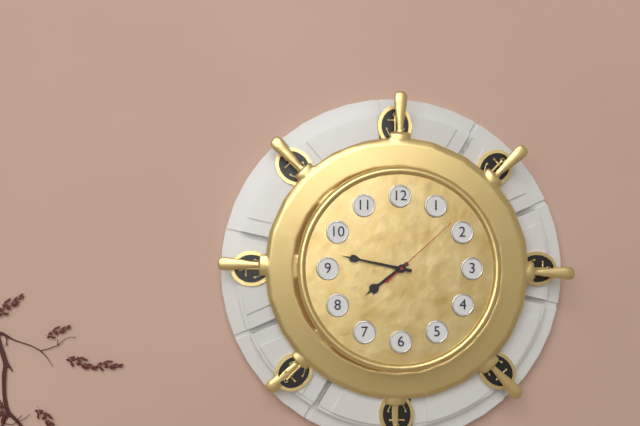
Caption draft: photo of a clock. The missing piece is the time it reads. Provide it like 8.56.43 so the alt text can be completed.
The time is 7.47.08
